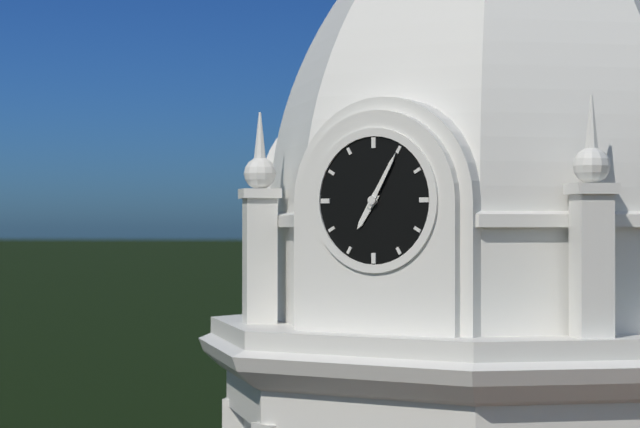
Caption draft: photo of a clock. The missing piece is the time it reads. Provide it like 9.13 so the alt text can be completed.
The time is 7.05
